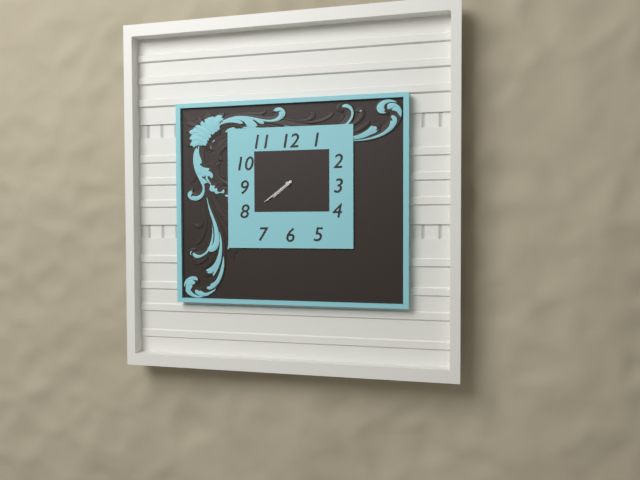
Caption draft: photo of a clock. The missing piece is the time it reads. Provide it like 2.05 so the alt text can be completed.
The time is 7.39
